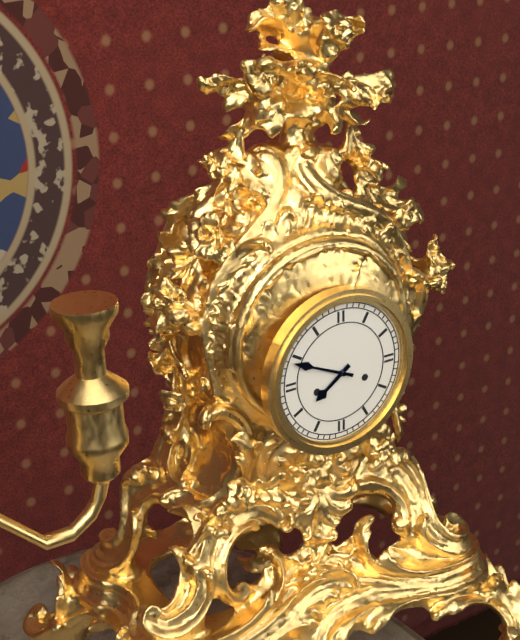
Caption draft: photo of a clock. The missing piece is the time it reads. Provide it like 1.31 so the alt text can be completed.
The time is 7.49
